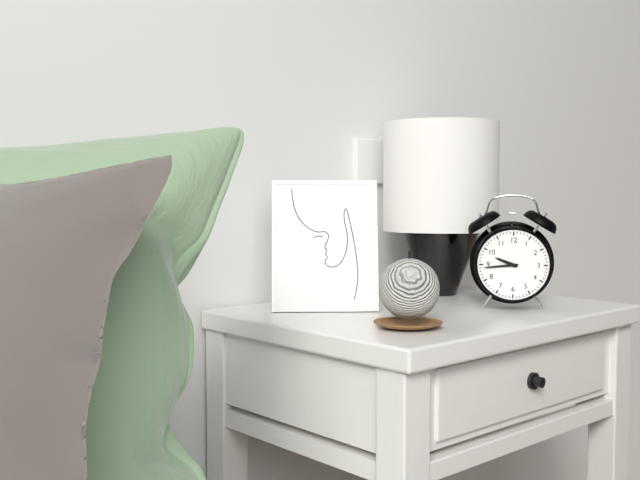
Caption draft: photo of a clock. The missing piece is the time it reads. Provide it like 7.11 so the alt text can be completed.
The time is 9.44
